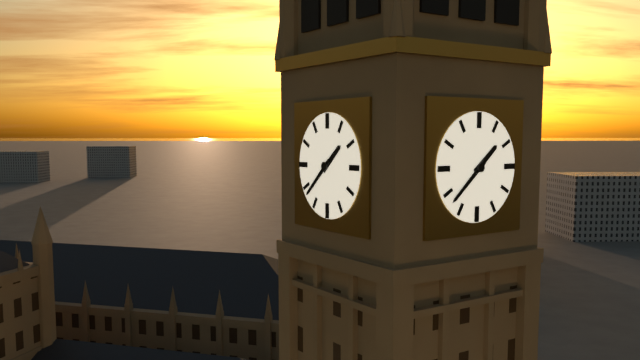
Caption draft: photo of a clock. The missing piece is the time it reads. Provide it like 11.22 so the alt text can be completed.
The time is 1.38
